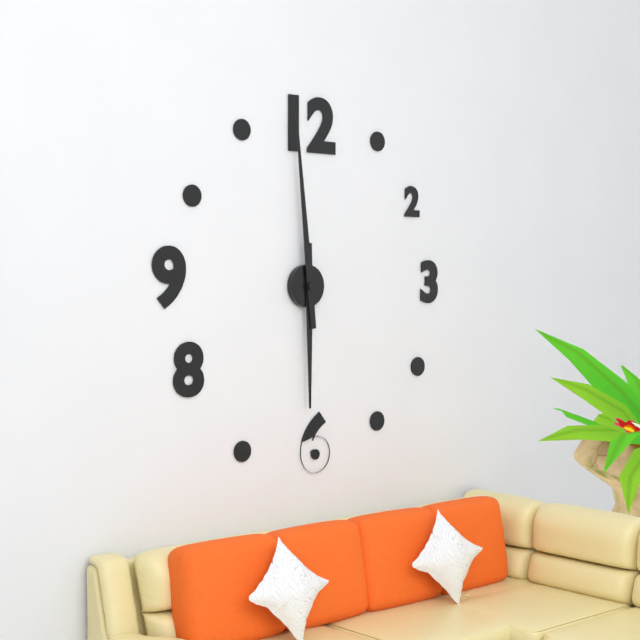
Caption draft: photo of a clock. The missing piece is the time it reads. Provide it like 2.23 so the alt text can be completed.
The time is 5.59
